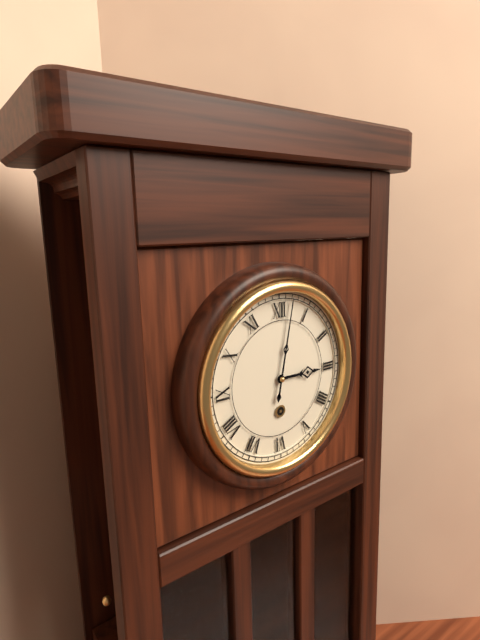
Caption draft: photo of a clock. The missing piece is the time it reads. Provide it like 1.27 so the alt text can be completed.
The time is 3.02
